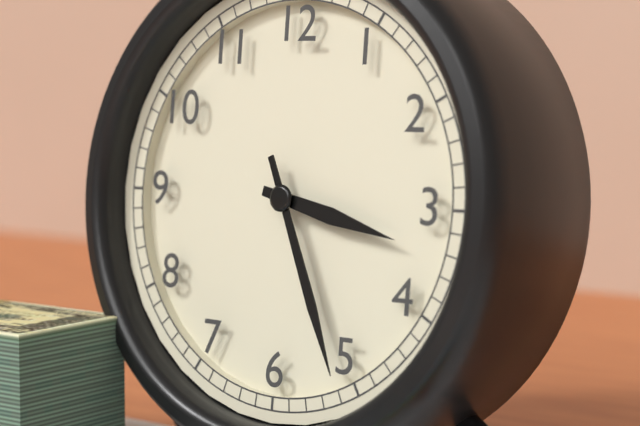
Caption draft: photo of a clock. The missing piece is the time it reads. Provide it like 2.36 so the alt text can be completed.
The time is 3.26
